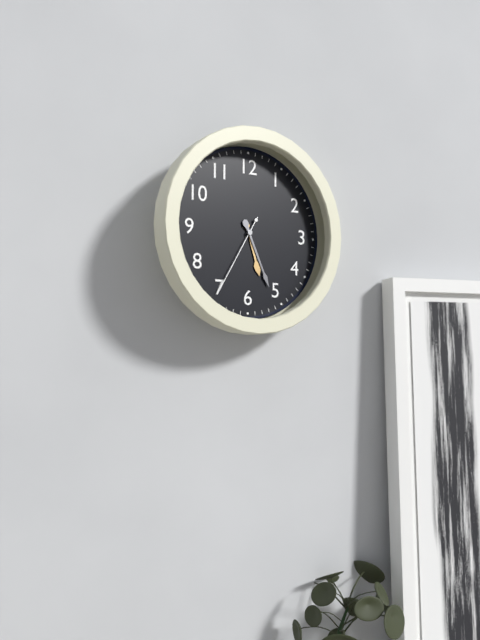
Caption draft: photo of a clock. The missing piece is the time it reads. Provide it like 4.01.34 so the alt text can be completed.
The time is 5.26.35
